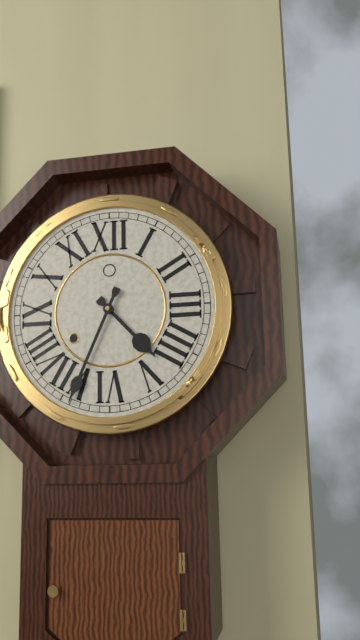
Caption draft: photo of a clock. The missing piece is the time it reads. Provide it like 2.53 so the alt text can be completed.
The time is 4.34
